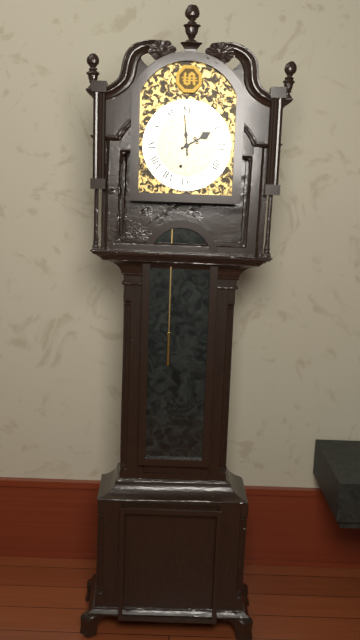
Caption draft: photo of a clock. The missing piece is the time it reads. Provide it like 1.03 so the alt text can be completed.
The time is 1.59
